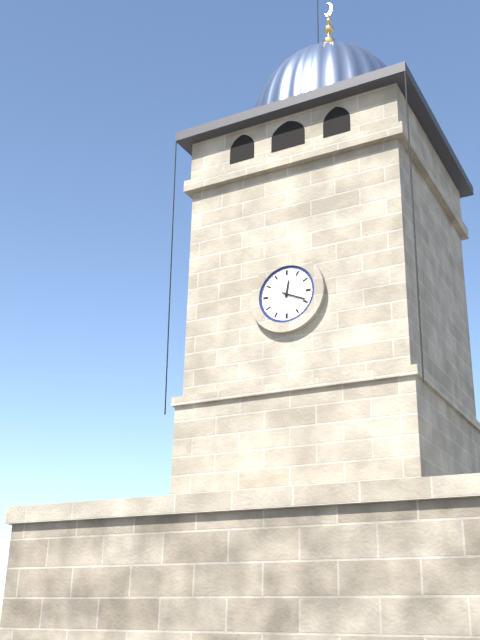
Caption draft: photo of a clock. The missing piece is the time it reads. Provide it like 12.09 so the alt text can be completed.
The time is 12.19
